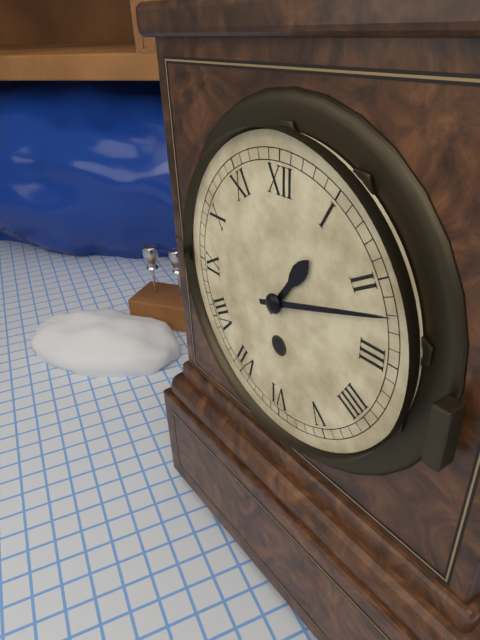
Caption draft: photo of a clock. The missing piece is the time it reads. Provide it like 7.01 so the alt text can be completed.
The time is 1.12
